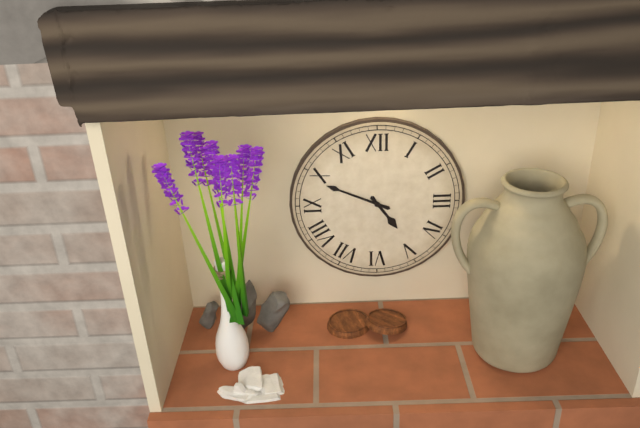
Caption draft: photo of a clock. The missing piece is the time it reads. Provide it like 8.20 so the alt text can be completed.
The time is 4.49
